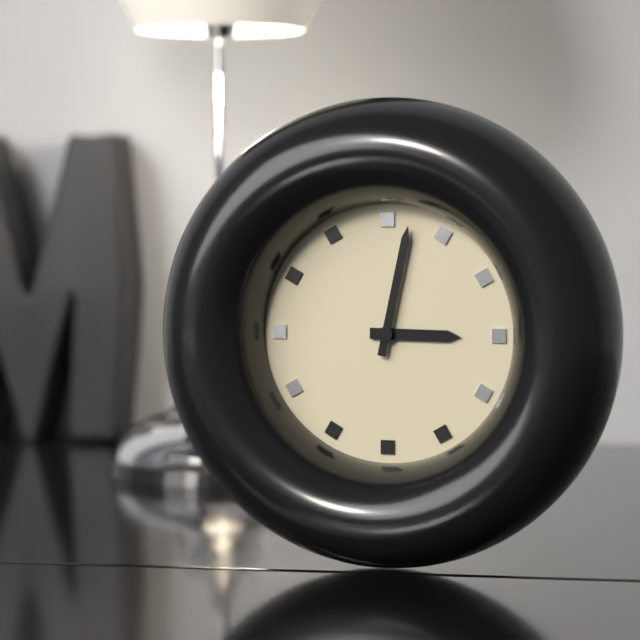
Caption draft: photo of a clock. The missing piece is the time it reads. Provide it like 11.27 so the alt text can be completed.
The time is 3.02
